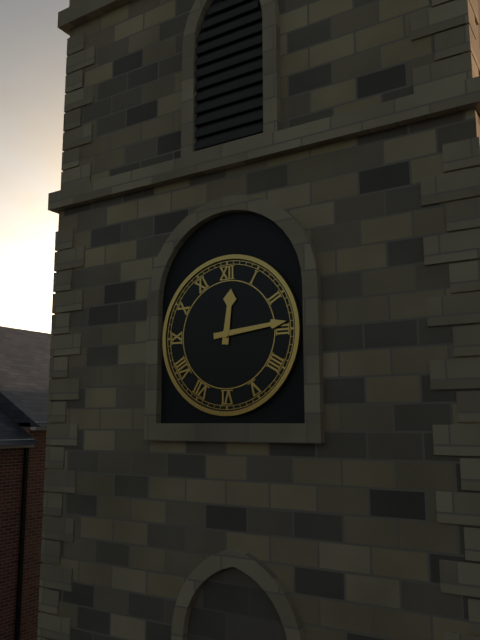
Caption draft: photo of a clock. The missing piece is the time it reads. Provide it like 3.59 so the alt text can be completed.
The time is 12.14
